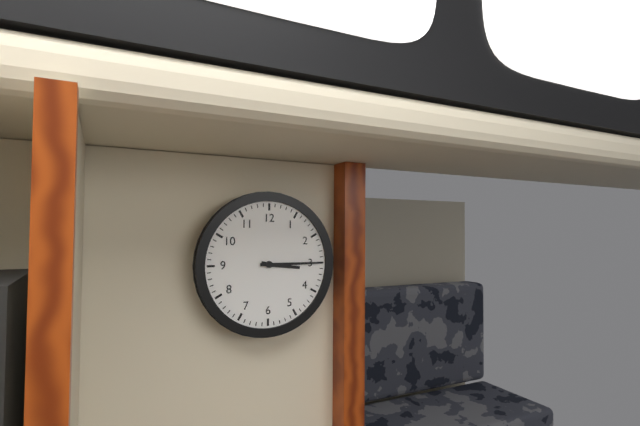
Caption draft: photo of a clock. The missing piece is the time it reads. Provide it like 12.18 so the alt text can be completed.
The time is 3.15
